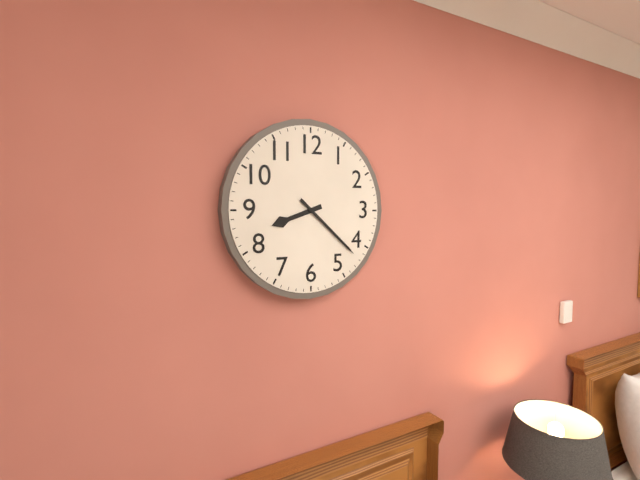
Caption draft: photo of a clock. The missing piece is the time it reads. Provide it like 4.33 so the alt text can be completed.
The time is 8.22
